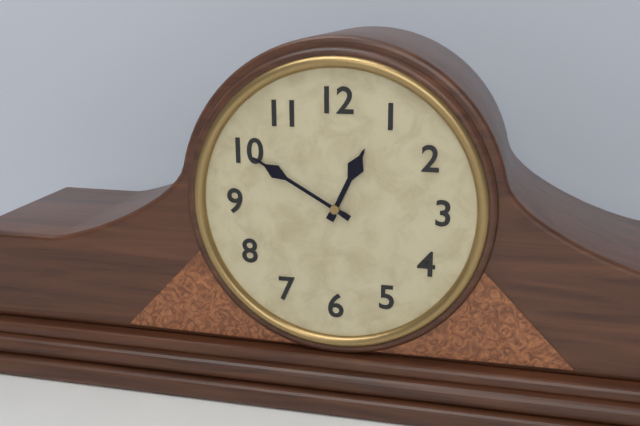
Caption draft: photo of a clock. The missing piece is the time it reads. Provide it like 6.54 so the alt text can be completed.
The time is 12.50
